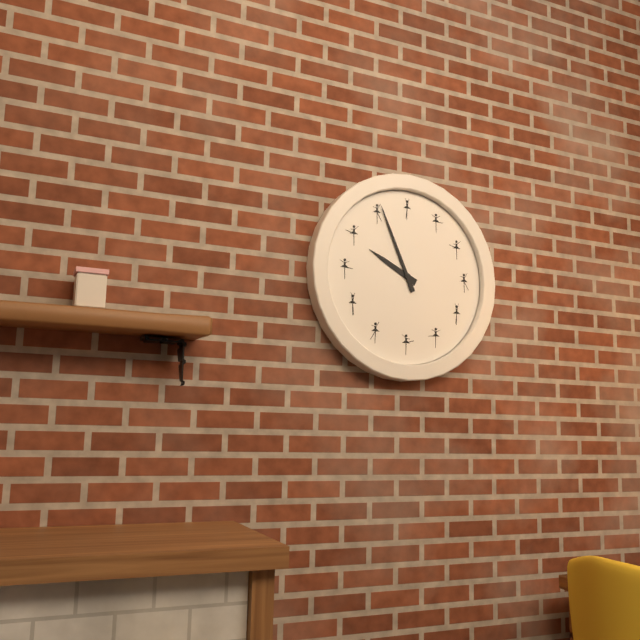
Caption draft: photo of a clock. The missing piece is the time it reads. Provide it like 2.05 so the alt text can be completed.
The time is 9.56
